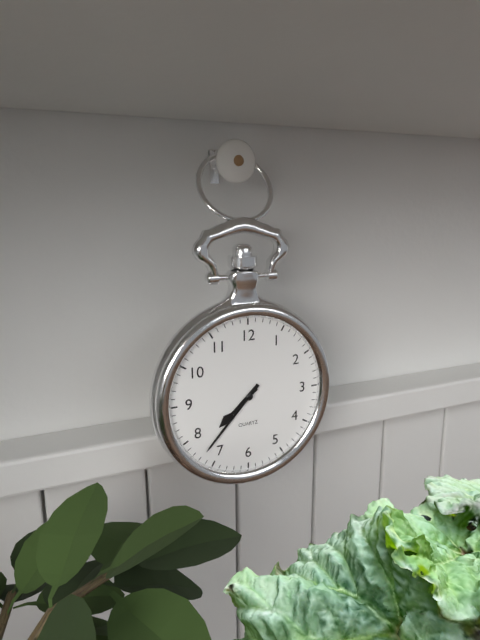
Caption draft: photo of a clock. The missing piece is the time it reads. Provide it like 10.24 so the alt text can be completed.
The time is 7.37
